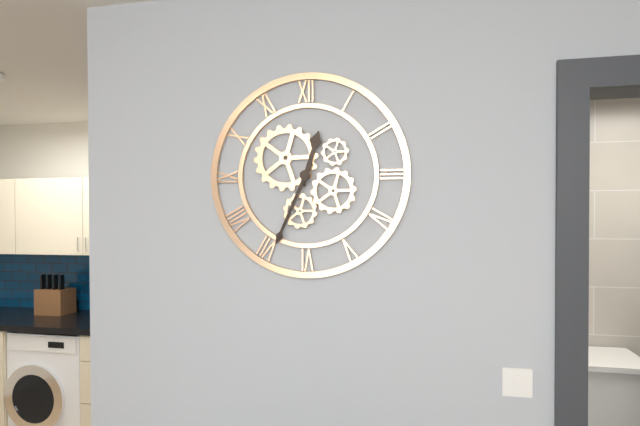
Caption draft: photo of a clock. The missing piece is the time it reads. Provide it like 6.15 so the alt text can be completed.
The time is 12.34
